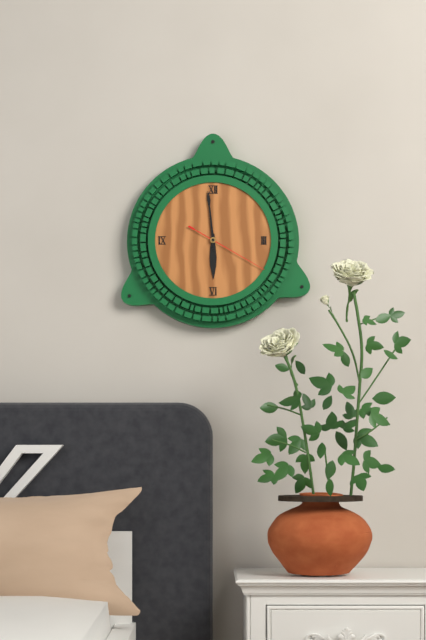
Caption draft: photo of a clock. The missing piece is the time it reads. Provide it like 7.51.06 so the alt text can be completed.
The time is 5.59.20
